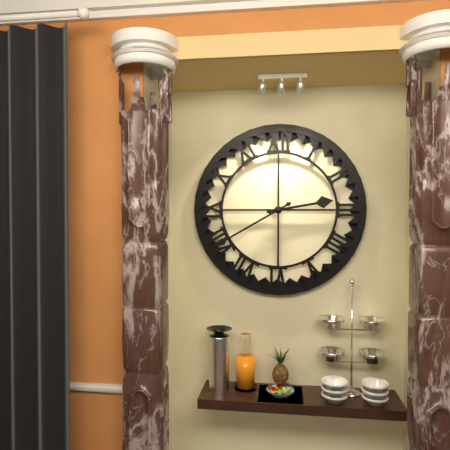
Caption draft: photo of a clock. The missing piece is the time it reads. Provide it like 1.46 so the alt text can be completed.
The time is 2.40
